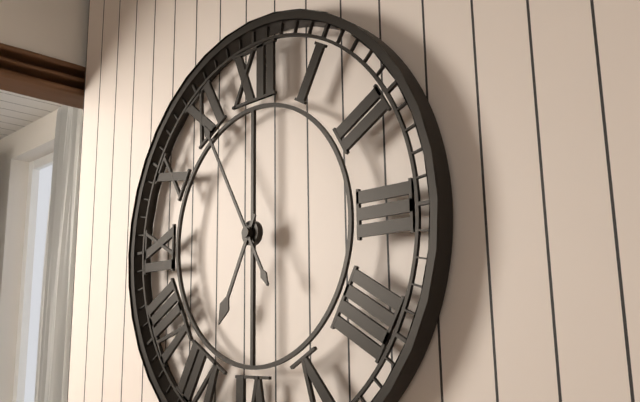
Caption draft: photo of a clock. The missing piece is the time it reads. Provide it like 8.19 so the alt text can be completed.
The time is 6.55
